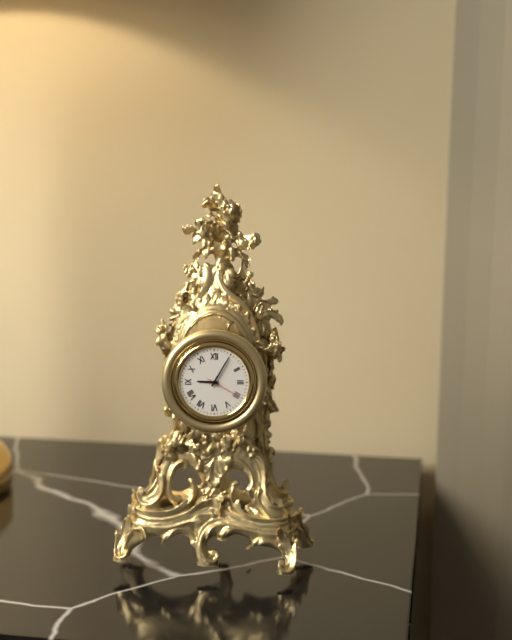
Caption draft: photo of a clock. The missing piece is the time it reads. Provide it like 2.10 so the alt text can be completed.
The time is 9.05
